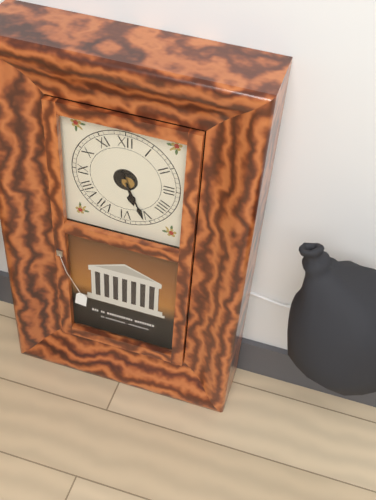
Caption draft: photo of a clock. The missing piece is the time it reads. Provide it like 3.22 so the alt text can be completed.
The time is 5.26
